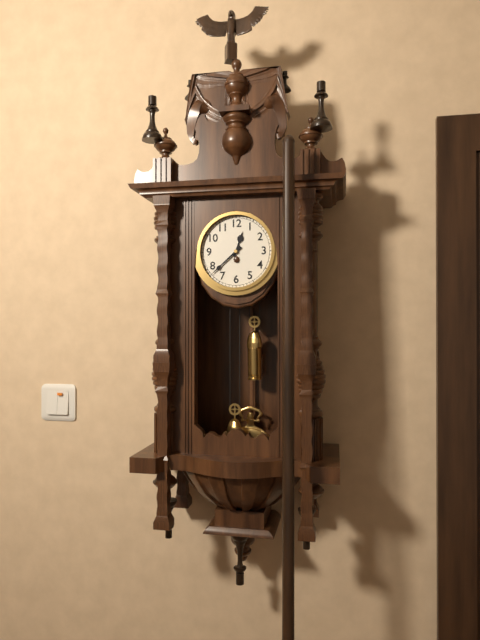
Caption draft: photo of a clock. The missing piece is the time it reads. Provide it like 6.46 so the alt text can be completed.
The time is 12.38
